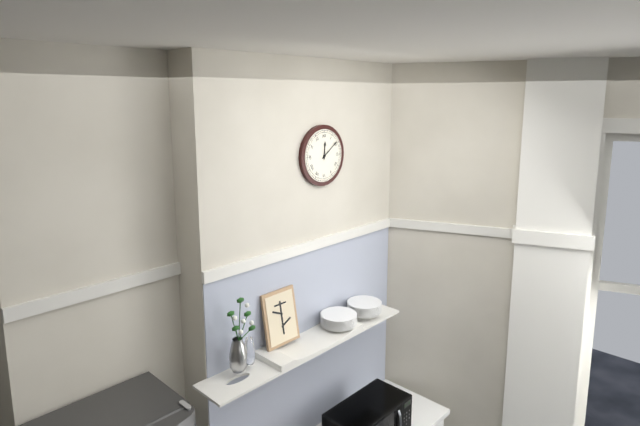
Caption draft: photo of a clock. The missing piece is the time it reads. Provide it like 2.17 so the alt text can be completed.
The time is 12.09
